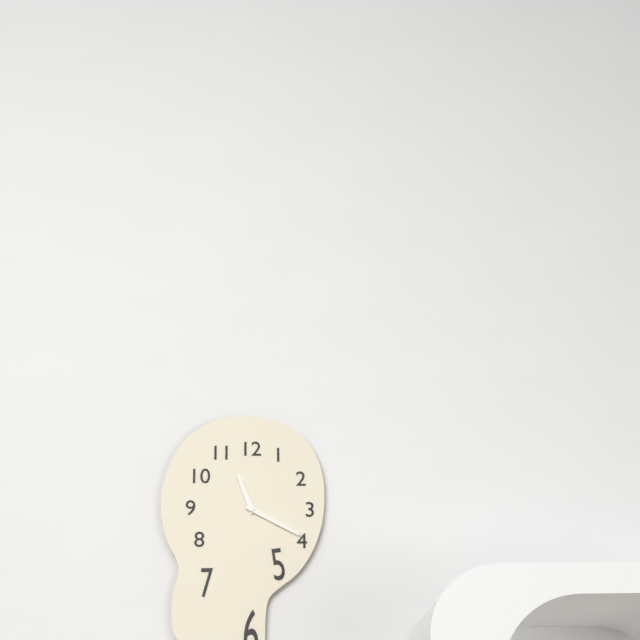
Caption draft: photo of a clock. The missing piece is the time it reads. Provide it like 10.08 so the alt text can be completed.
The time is 11.20
